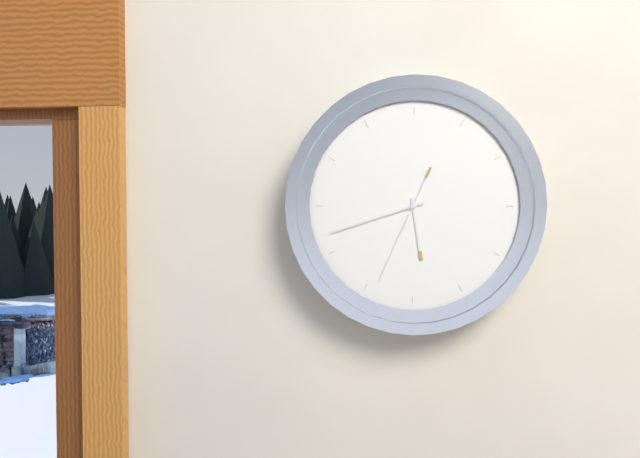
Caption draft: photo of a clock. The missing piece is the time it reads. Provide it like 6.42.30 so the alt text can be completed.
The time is 5.42.34
